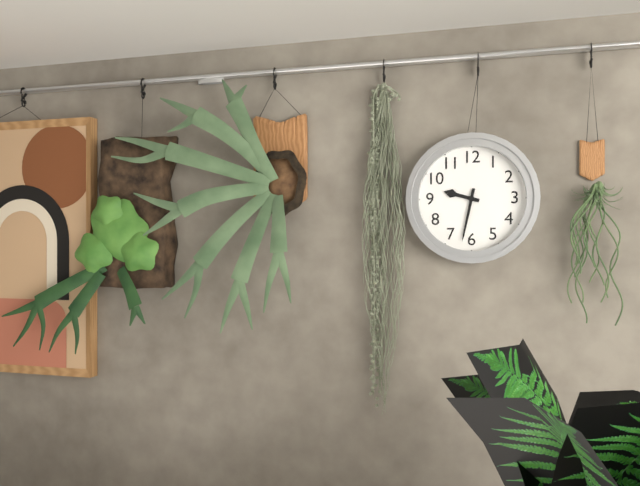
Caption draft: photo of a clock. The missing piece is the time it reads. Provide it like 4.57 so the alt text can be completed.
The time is 9.32
